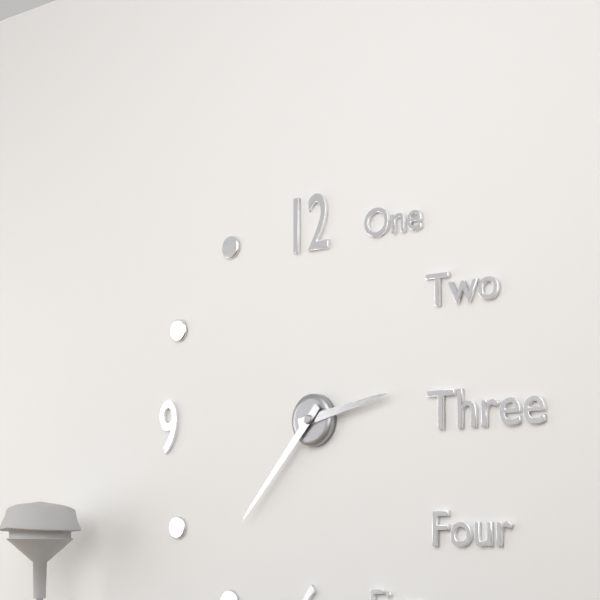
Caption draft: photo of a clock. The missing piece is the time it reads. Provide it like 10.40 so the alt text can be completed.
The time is 2.37
